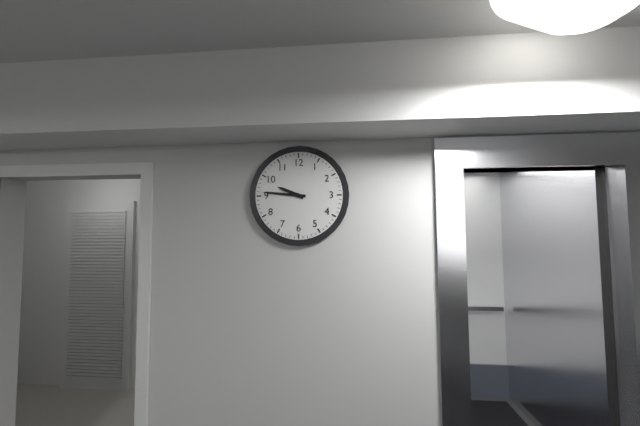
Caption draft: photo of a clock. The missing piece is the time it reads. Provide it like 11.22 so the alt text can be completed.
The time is 9.46
